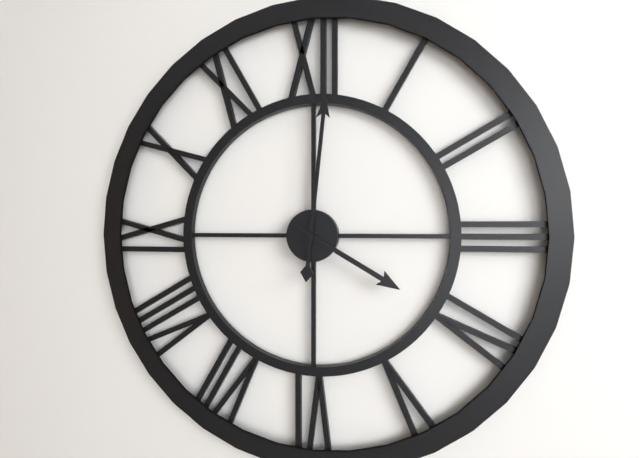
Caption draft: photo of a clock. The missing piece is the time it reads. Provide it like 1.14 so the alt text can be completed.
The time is 4.01
